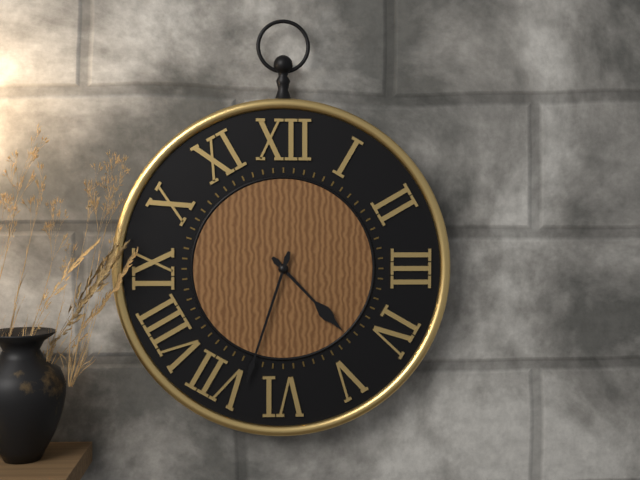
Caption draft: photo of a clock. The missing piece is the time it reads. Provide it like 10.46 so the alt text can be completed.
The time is 4.33
